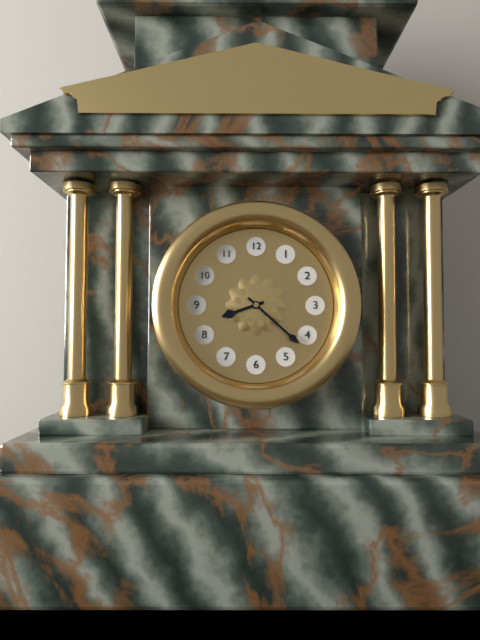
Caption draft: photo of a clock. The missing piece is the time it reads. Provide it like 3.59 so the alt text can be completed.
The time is 8.22
